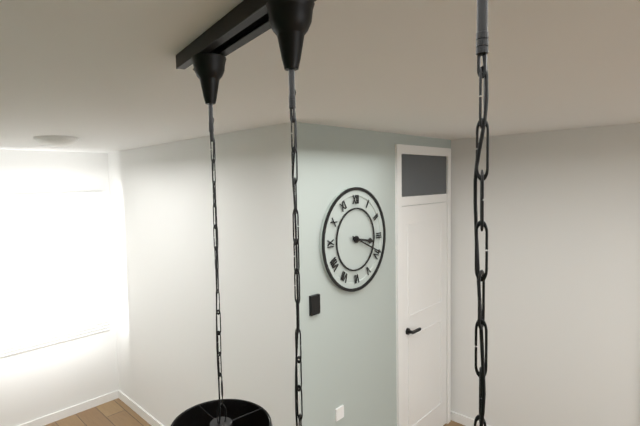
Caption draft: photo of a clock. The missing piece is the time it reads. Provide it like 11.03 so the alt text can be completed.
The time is 3.19
